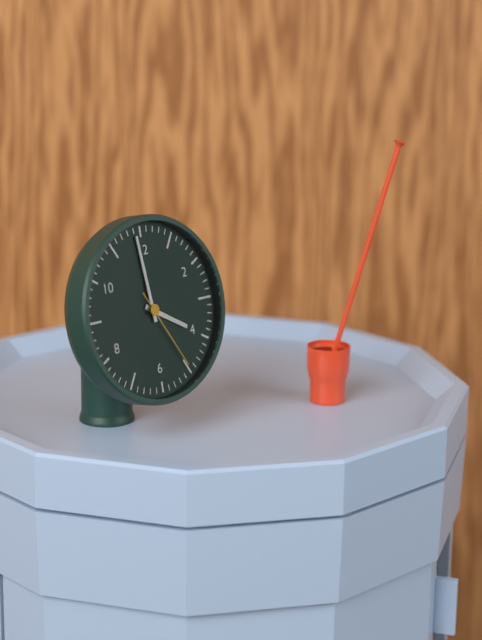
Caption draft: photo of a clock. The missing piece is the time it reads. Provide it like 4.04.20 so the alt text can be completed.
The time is 3.59.25
